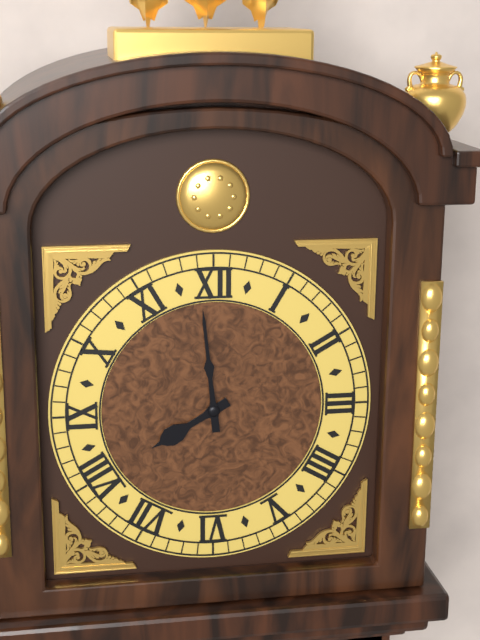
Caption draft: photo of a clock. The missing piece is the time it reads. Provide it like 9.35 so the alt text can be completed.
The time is 7.59
